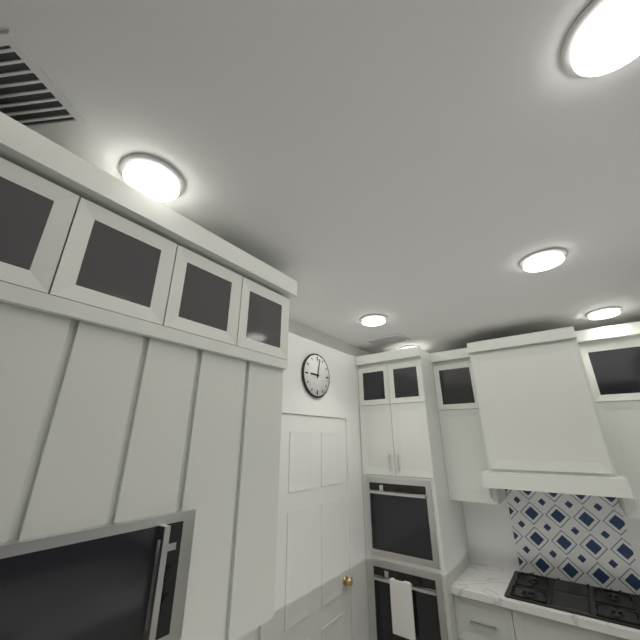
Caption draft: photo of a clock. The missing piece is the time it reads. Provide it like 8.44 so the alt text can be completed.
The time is 9.02
